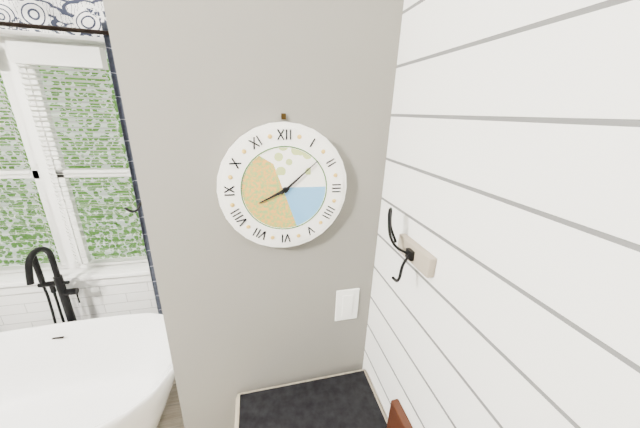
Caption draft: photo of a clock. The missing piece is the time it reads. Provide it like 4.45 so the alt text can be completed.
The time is 8.08
